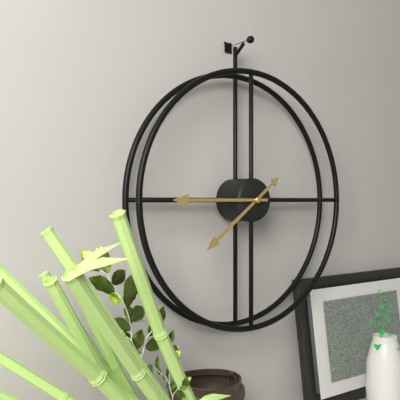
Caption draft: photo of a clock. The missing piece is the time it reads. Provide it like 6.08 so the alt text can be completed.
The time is 7.45
